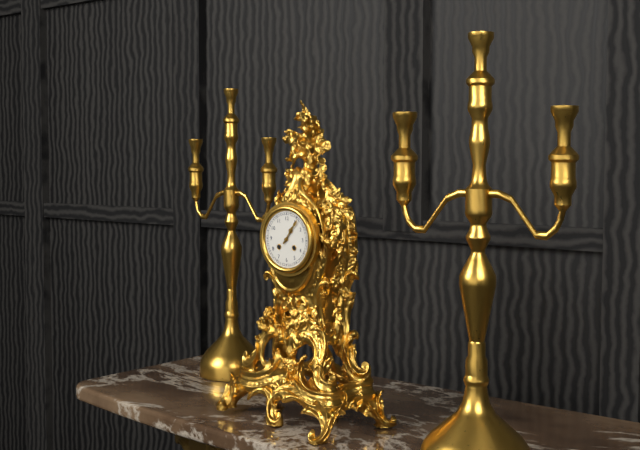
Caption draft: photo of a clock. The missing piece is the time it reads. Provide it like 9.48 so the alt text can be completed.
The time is 1.06
